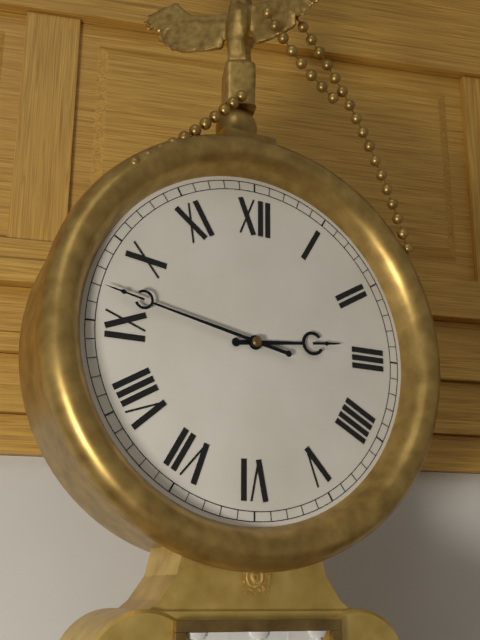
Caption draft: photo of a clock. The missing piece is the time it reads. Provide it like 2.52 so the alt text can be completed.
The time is 2.47
